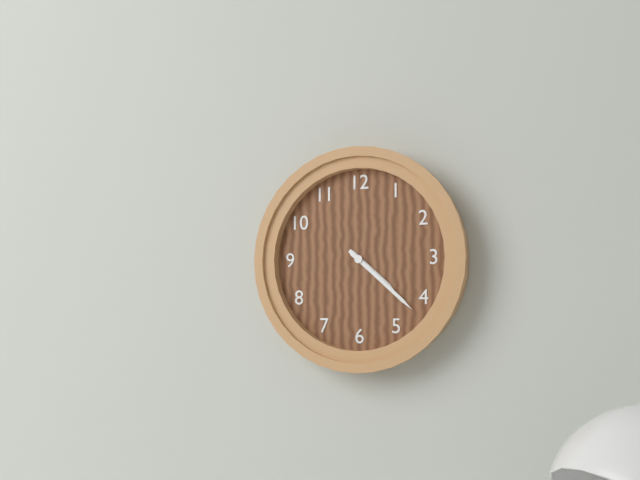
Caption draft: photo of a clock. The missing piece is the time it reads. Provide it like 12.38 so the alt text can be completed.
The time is 4.22
